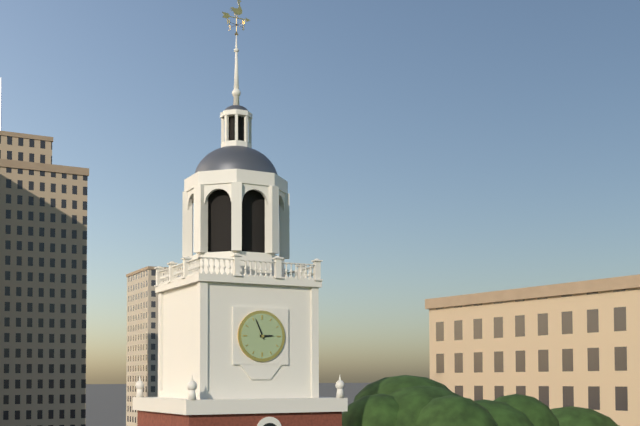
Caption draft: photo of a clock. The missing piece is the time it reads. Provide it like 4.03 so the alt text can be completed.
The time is 2.56
